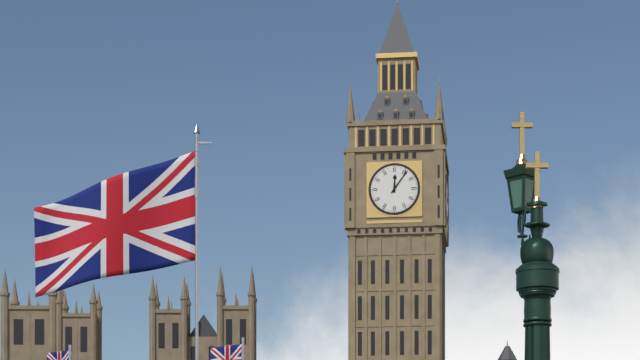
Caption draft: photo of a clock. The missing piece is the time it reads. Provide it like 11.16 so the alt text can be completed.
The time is 12.06
